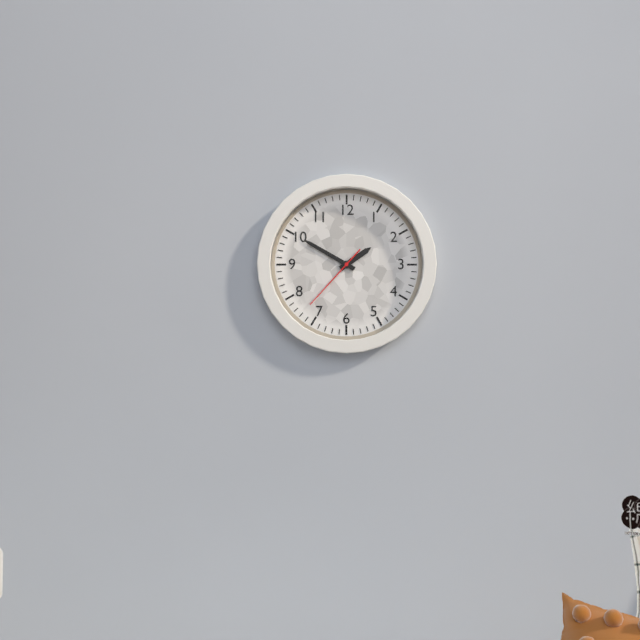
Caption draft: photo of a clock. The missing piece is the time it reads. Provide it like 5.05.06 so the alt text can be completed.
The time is 1.50.37
